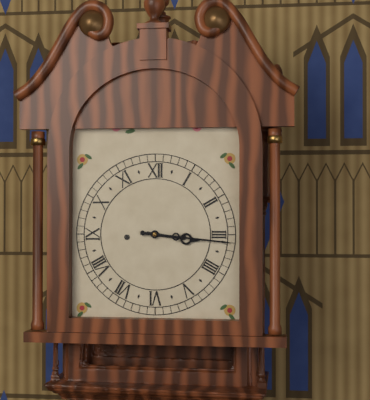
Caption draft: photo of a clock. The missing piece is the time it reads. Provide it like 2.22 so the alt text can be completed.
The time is 3.16
